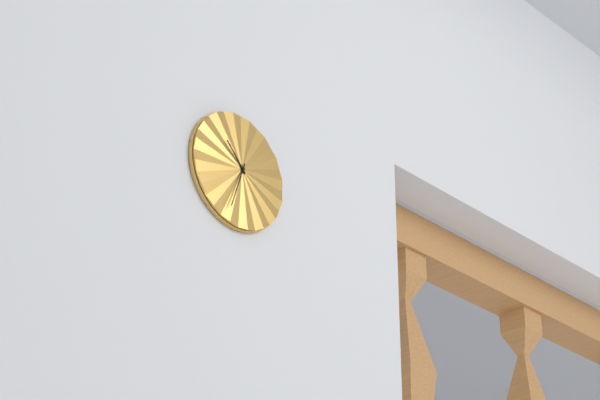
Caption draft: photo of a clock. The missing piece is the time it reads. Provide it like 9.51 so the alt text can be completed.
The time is 10.33
